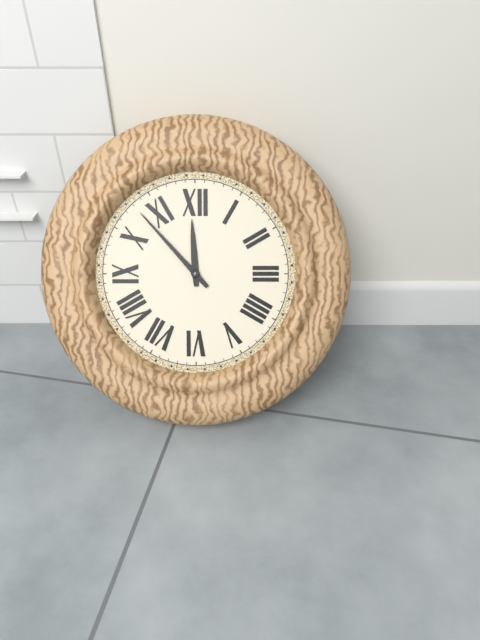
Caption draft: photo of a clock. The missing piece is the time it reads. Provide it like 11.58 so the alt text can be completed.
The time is 11.53
